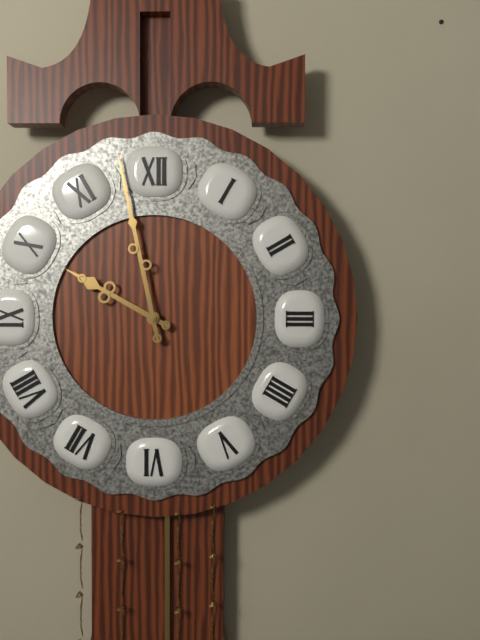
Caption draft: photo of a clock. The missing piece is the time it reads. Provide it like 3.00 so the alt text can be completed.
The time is 9.58
